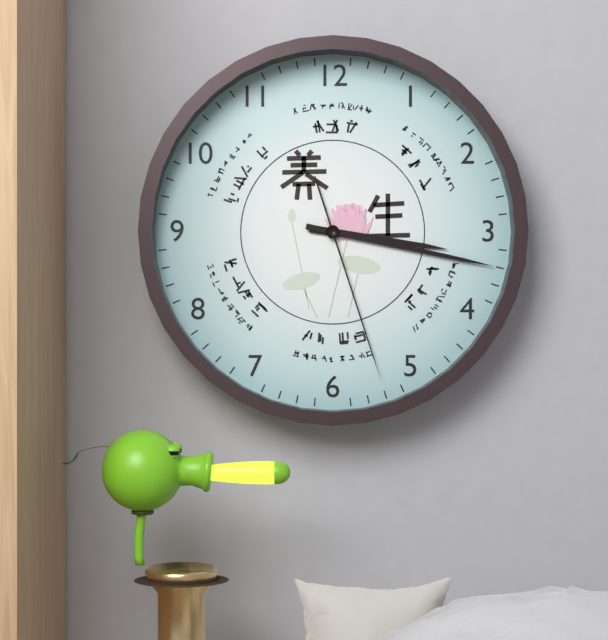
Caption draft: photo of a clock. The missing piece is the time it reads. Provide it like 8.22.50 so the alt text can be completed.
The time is 3.17.27
